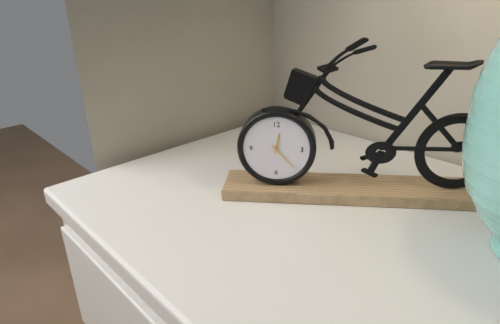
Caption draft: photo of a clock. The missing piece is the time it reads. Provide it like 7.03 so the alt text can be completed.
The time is 12.23
